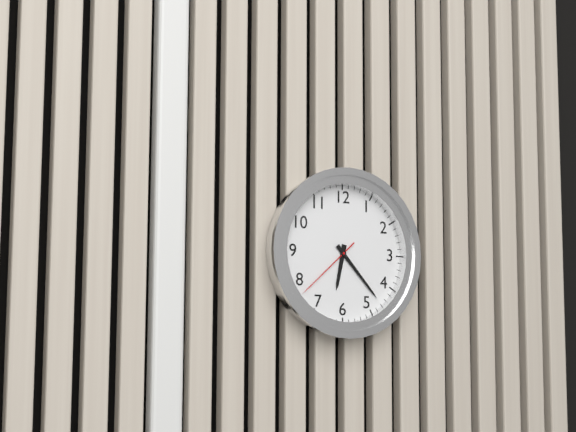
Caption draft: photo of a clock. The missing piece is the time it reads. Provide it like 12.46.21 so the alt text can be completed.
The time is 6.23.38
